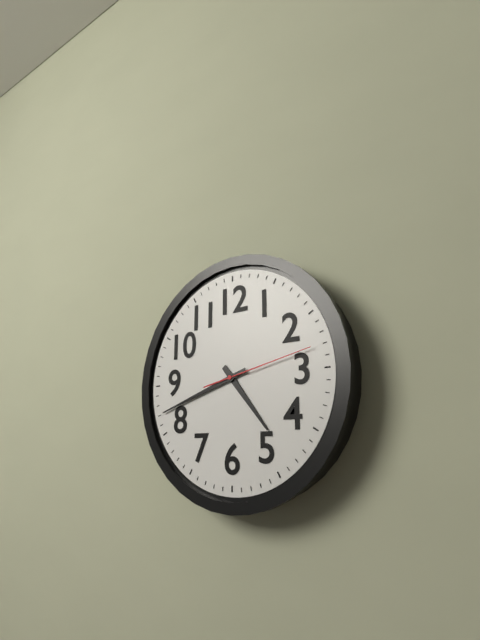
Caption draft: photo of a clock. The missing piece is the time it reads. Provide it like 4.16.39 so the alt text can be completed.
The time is 4.42.13
